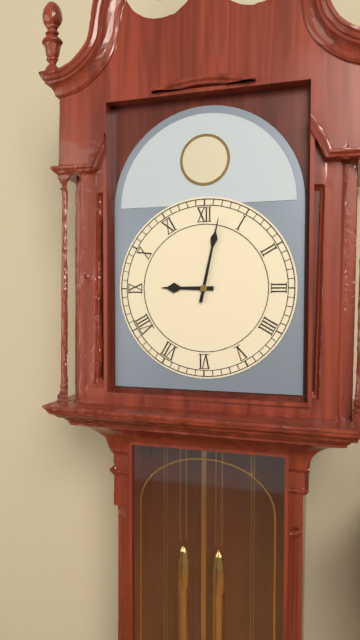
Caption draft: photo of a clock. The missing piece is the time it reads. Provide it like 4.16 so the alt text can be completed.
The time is 9.02
